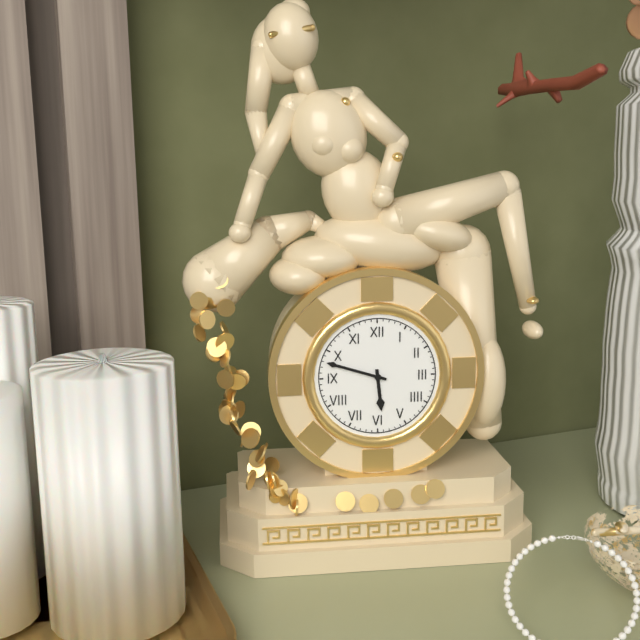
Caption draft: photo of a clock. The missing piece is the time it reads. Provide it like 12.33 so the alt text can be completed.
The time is 5.48
